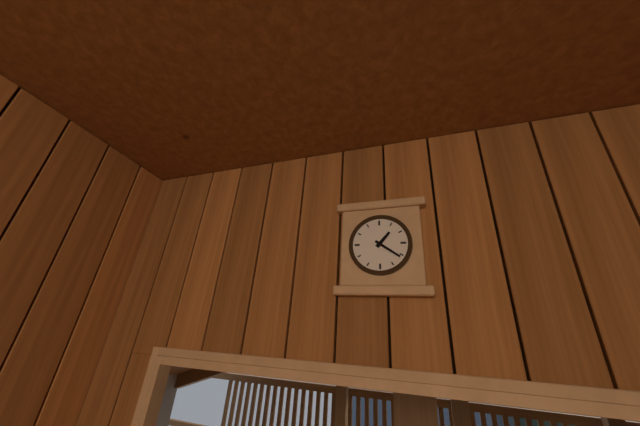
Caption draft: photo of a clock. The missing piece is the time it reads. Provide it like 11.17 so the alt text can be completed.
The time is 1.21
